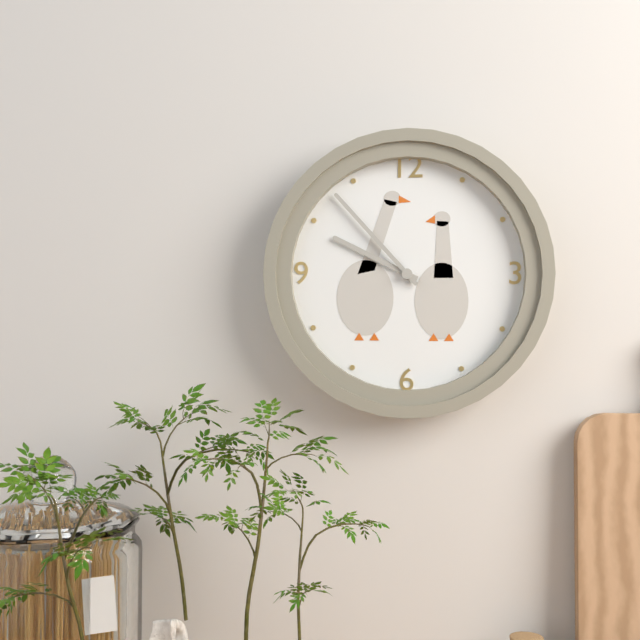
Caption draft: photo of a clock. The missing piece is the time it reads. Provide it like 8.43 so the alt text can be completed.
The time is 9.53
